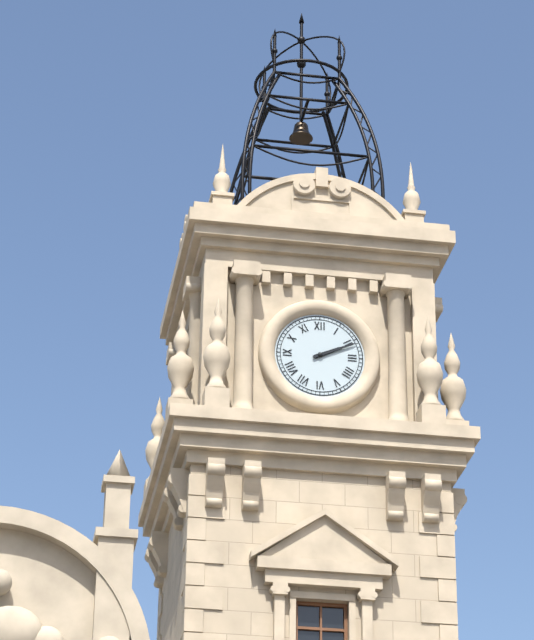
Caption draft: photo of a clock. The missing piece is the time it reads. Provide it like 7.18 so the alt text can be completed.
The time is 2.11
